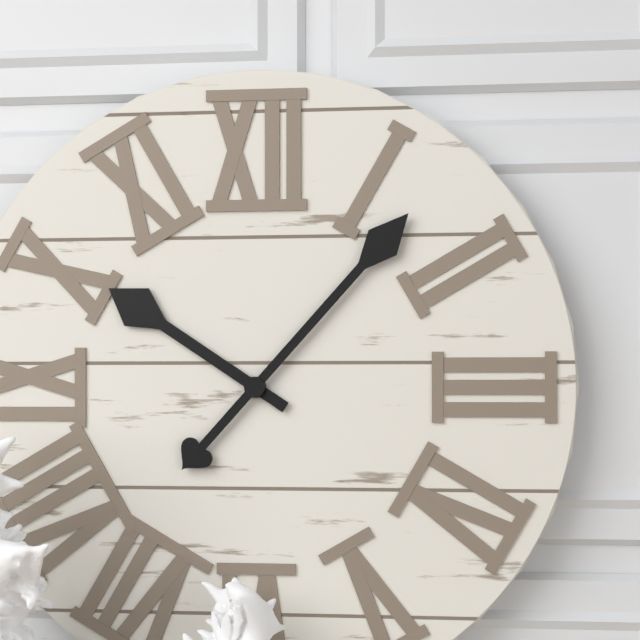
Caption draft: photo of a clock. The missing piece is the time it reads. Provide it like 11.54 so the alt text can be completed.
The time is 10.07
